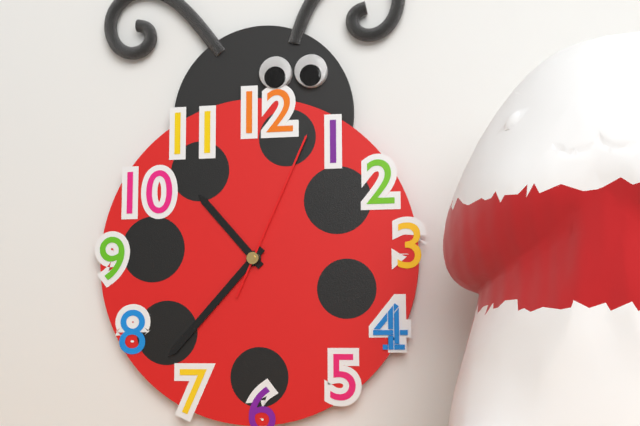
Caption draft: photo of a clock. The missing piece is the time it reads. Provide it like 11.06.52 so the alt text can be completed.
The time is 10.37.04
